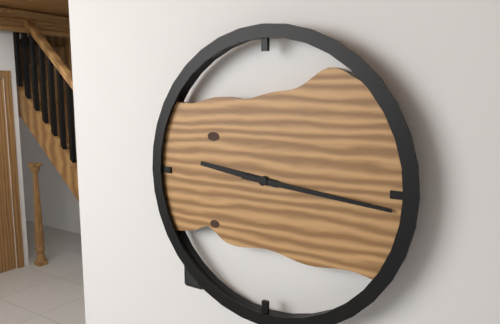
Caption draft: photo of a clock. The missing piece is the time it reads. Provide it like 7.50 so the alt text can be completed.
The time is 9.16
